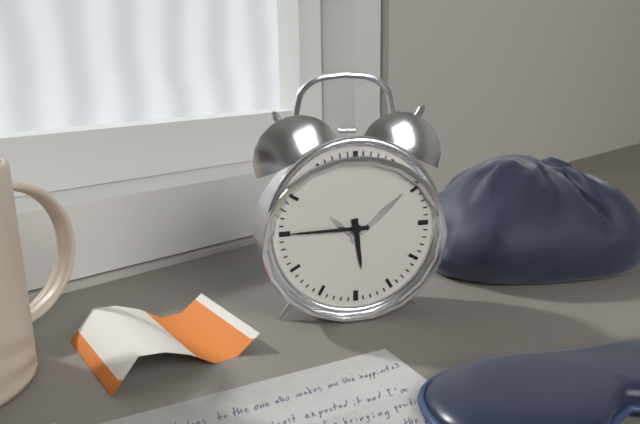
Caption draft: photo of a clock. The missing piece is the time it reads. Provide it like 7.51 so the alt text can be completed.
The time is 5.45
